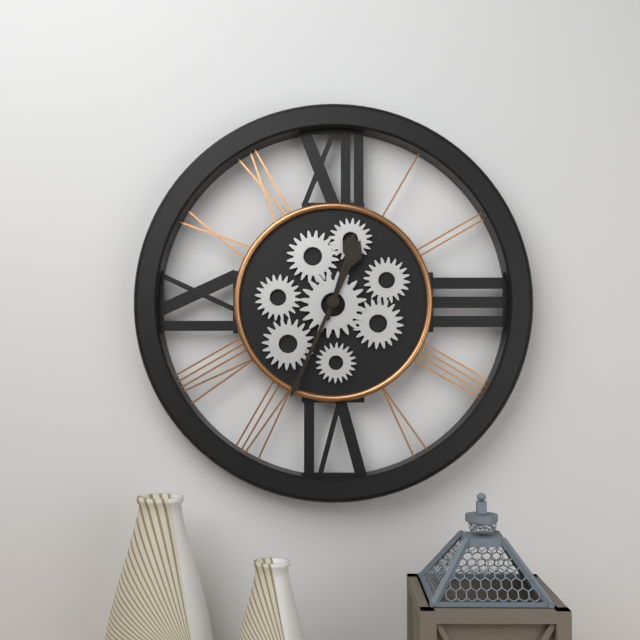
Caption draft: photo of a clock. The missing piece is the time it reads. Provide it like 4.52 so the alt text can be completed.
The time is 12.34
